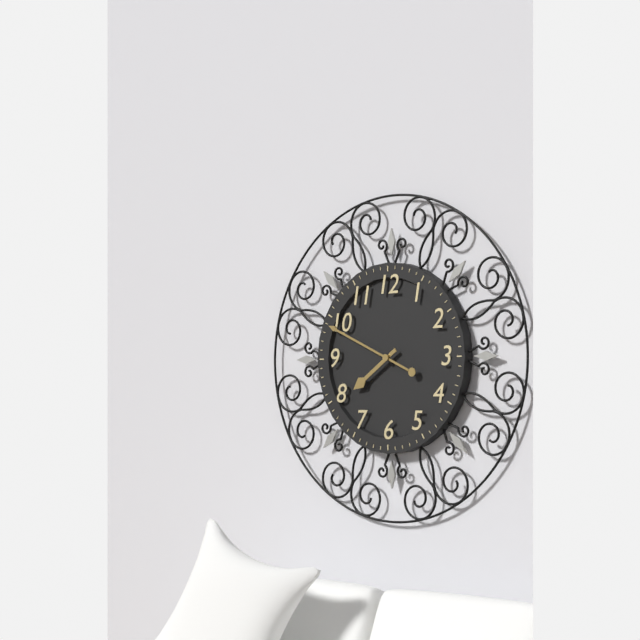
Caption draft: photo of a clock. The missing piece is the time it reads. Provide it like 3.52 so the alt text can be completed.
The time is 7.49
